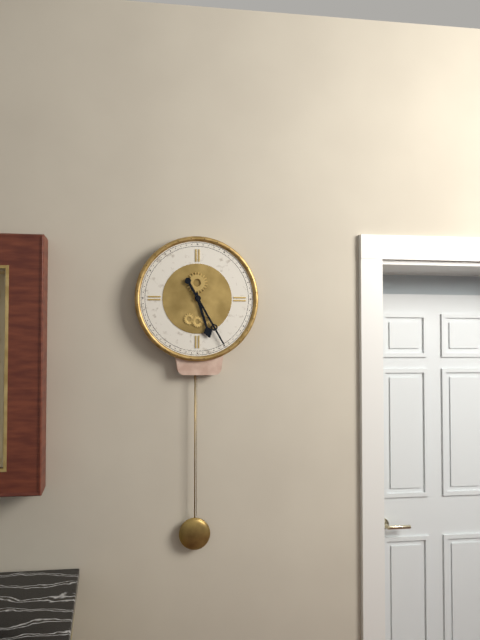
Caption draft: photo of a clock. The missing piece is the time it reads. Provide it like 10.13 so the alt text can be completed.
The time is 5.25
